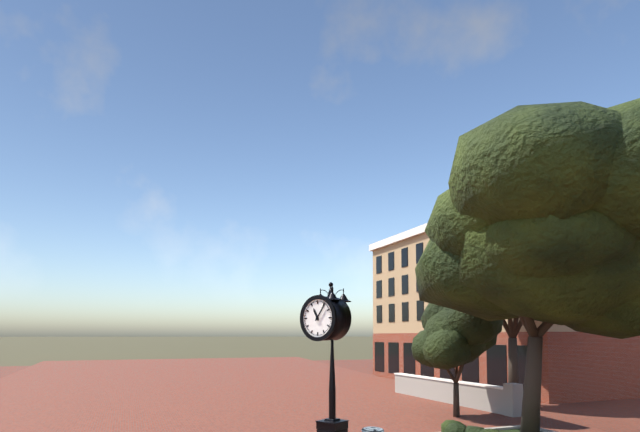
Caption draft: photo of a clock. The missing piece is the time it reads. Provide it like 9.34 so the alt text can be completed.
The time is 11.06
